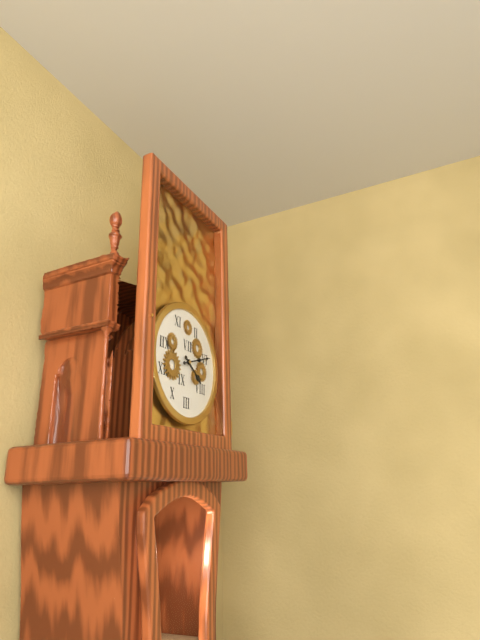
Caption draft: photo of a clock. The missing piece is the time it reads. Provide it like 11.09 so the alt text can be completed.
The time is 4.12
